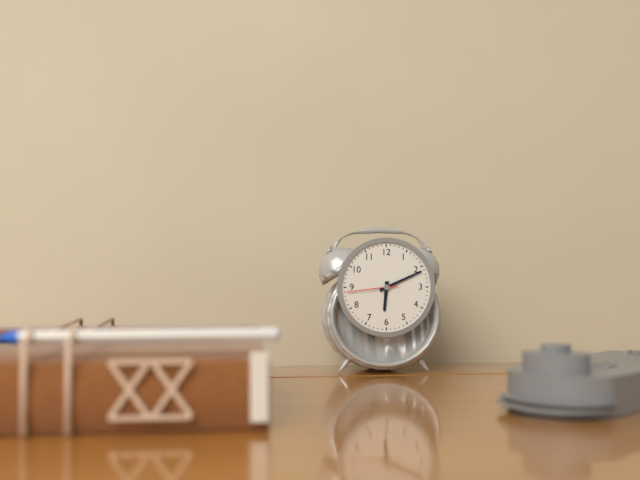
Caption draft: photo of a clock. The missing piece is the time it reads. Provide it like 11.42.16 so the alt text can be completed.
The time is 6.11.44
